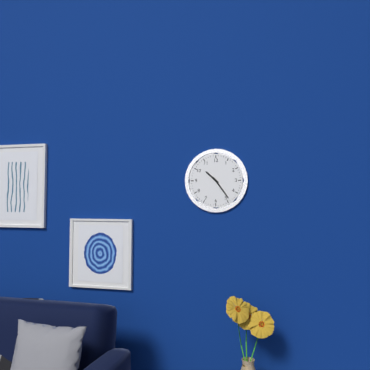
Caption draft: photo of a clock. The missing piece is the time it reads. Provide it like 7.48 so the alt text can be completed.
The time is 10.24
